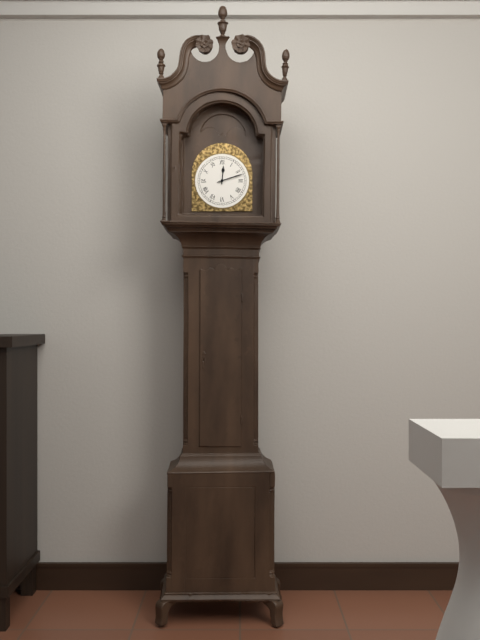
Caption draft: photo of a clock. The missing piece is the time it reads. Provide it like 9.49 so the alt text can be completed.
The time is 12.12
